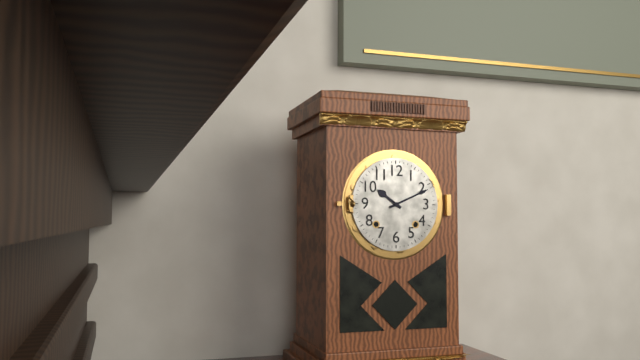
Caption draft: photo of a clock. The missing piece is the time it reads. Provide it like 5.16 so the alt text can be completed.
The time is 10.11
